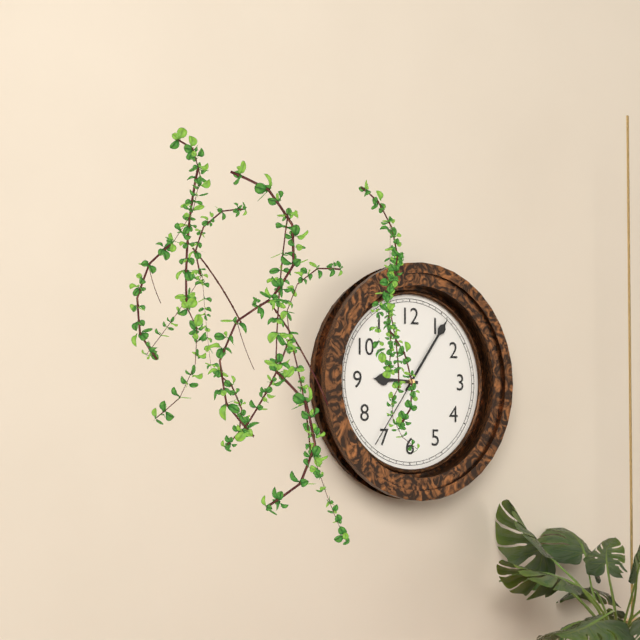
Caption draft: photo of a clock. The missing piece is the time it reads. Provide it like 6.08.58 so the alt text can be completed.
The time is 9.06.36
